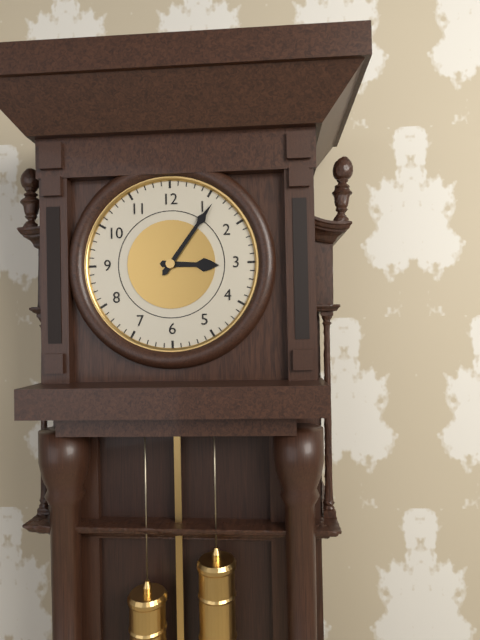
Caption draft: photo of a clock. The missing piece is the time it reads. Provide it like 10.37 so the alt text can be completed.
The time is 3.06
